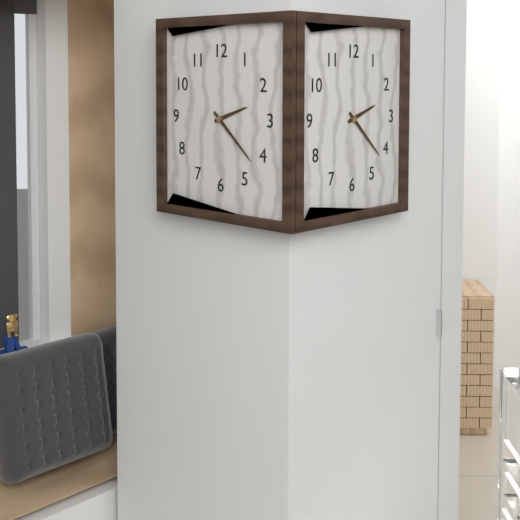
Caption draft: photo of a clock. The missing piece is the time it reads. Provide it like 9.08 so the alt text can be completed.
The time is 2.22
